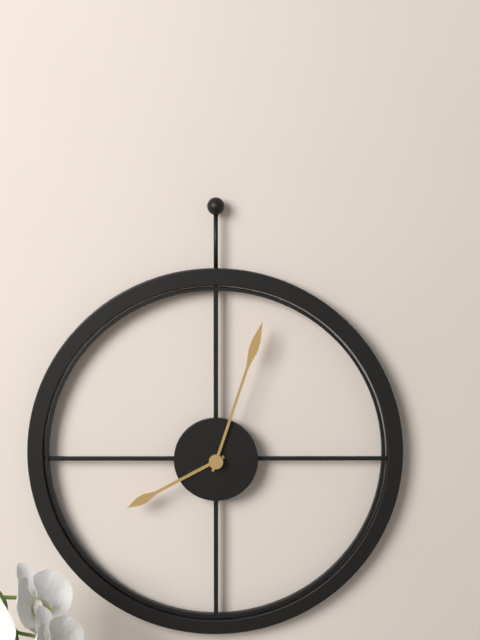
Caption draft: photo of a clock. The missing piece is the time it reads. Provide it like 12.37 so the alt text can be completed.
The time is 8.03
